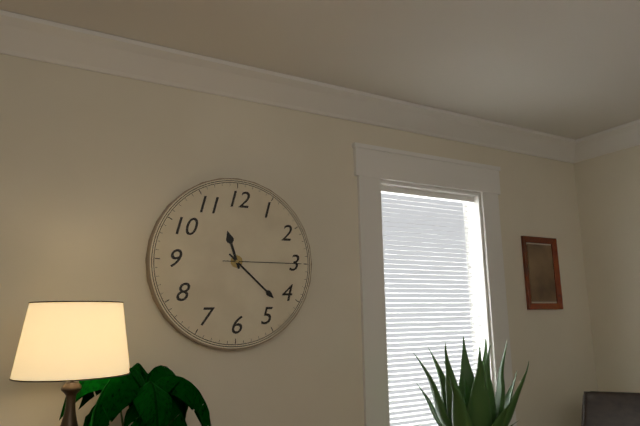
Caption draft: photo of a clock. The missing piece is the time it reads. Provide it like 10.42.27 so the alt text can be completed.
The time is 11.22.15
